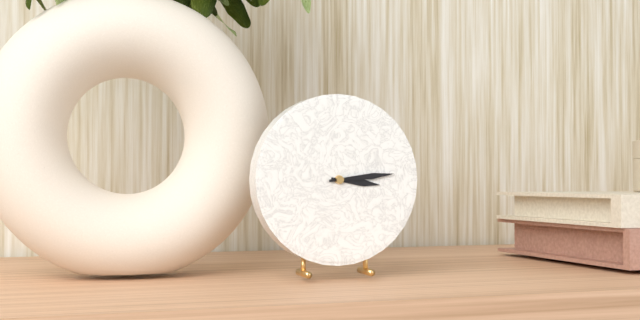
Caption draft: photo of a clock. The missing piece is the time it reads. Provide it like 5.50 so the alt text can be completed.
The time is 3.14
